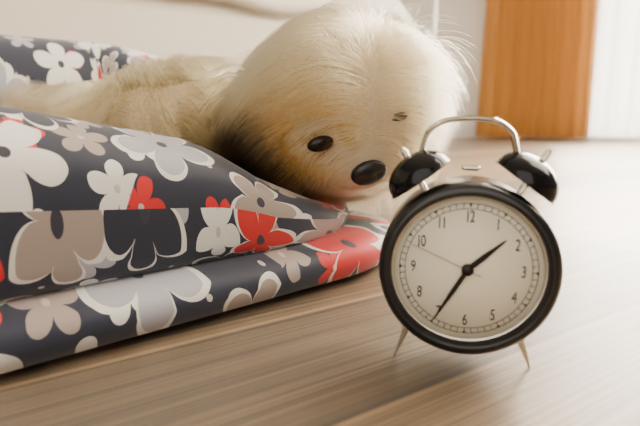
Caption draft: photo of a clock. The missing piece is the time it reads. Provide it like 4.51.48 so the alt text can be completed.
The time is 1.35.49
